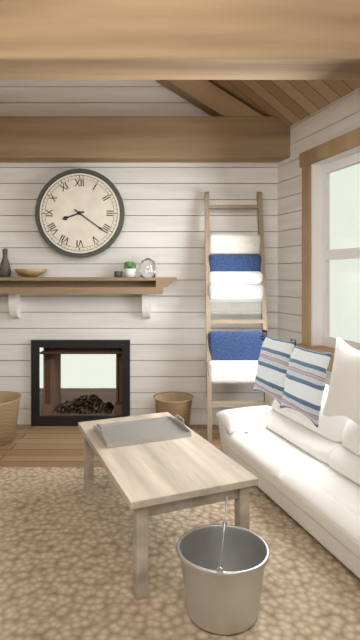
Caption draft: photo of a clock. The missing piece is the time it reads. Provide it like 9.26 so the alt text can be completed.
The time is 8.21
